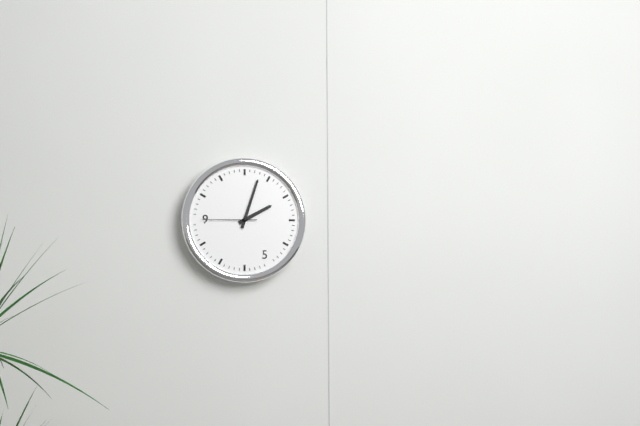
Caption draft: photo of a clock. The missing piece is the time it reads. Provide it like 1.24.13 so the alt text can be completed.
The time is 2.03.45
